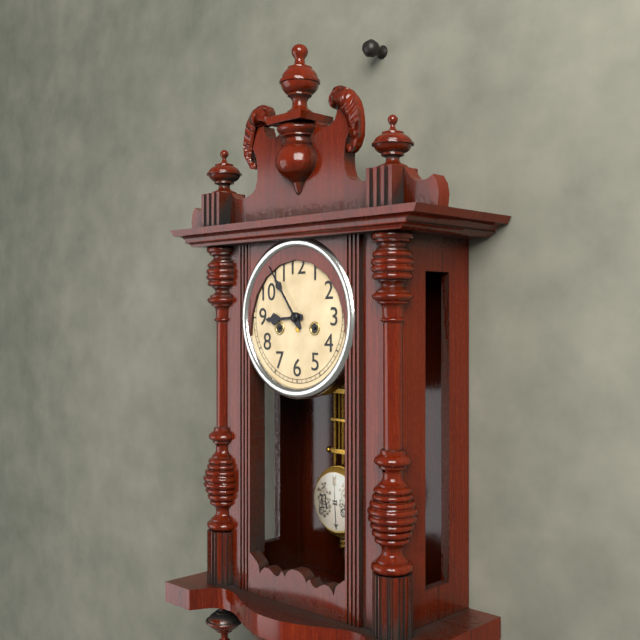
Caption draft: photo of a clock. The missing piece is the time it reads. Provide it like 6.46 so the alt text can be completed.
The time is 8.54
